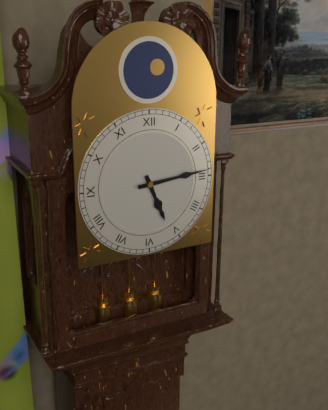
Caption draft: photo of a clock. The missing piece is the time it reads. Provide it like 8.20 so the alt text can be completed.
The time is 5.14
